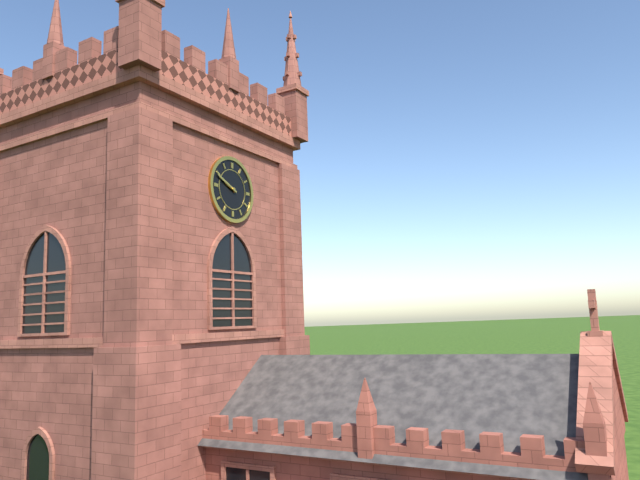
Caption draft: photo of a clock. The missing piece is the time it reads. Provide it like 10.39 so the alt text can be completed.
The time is 9.49
